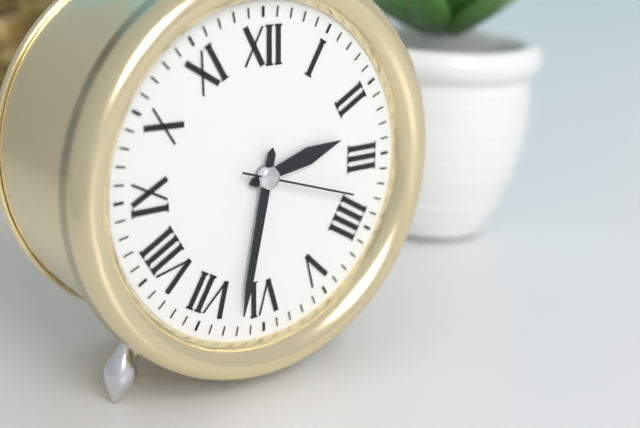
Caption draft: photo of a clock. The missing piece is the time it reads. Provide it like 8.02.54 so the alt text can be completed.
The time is 2.32.18
